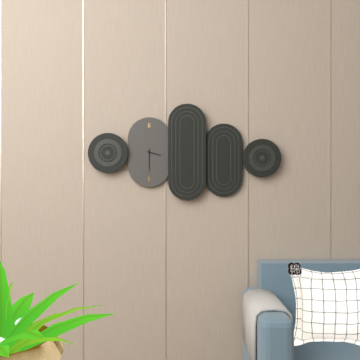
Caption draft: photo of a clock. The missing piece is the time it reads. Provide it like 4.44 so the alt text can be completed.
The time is 3.30
